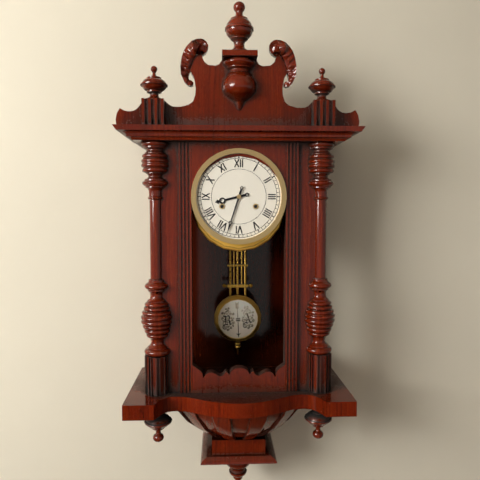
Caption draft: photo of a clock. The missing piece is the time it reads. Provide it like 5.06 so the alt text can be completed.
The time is 8.33
